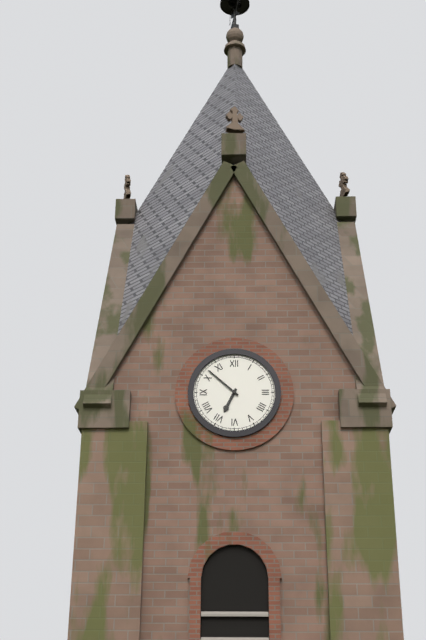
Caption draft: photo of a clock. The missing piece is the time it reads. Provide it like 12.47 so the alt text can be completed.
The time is 6.52
